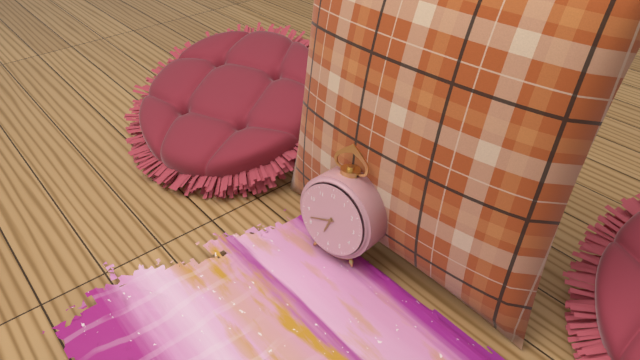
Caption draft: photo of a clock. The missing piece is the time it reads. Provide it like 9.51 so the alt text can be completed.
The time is 6.42
